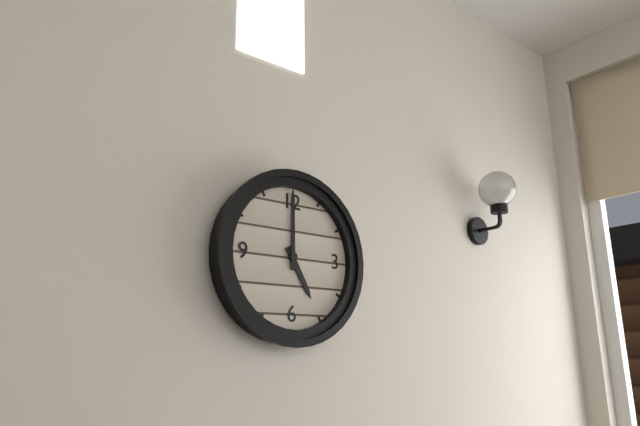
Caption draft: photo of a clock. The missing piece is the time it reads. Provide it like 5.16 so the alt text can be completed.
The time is 5.00
